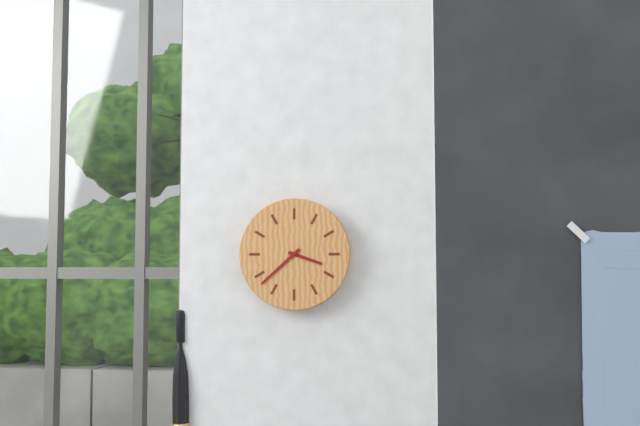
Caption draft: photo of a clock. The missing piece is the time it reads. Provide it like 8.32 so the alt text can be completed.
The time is 3.38
